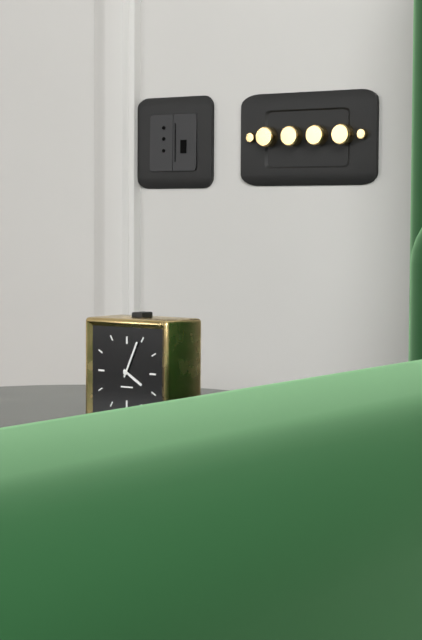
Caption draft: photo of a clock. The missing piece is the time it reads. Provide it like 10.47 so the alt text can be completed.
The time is 4.04
